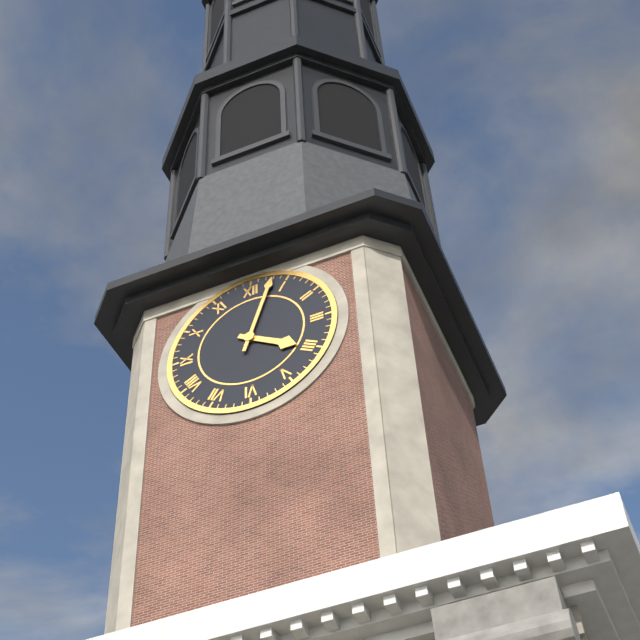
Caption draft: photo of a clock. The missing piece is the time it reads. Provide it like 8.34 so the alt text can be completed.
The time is 4.03
